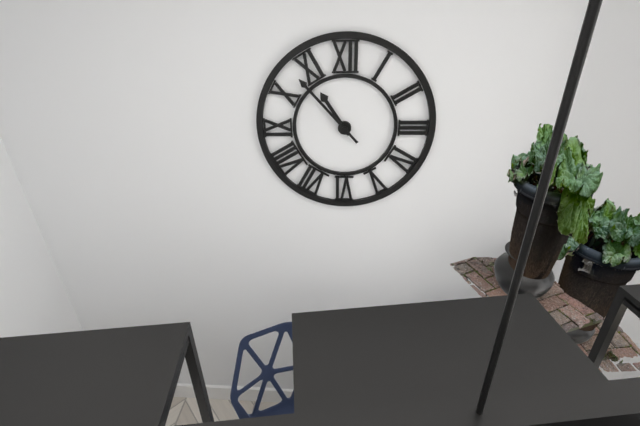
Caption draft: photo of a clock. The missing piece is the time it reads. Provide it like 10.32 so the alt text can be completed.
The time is 10.53
